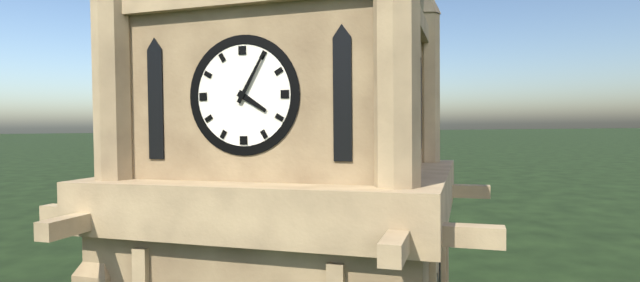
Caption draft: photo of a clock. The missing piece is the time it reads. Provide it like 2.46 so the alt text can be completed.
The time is 4.05
